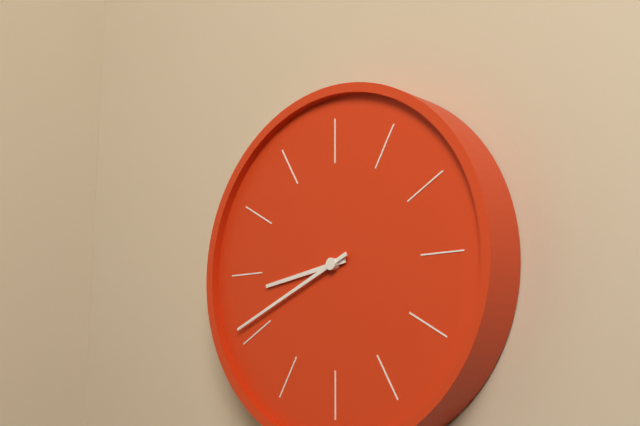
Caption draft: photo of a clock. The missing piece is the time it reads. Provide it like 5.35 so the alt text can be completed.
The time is 8.41
